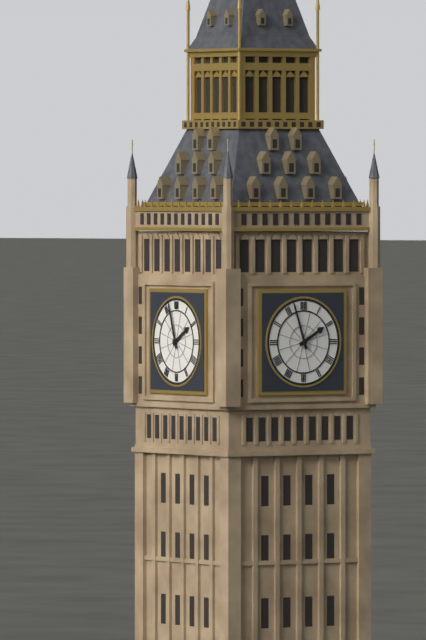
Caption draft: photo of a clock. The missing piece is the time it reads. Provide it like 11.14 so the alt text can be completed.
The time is 1.57
